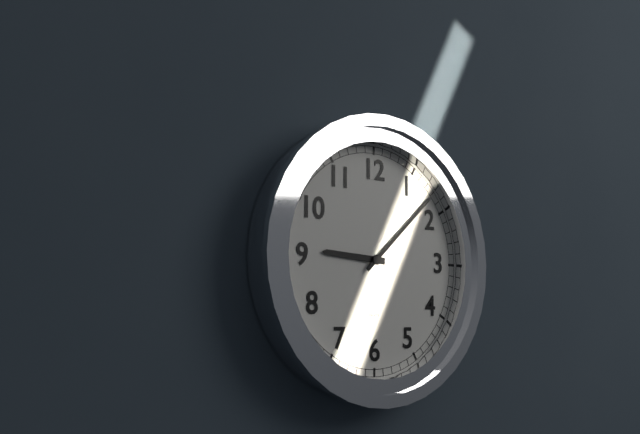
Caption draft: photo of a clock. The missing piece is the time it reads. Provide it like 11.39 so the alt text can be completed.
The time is 9.08
